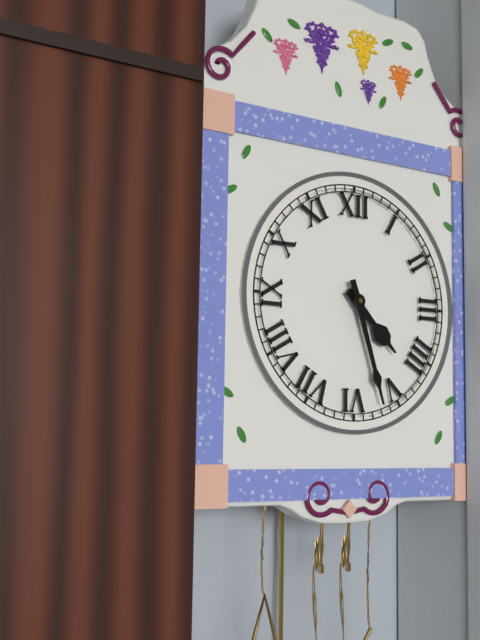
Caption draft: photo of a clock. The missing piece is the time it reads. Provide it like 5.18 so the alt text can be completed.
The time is 4.27
